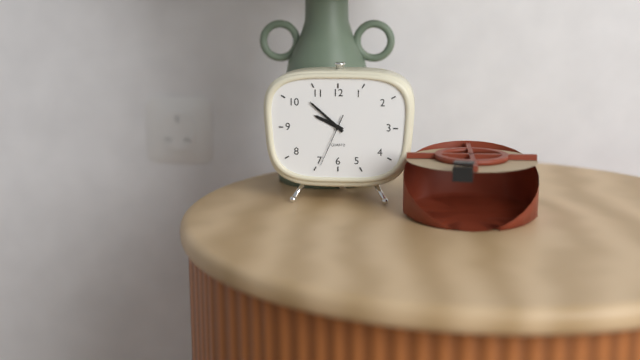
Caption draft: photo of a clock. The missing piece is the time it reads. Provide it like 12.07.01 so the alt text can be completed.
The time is 9.52.34
